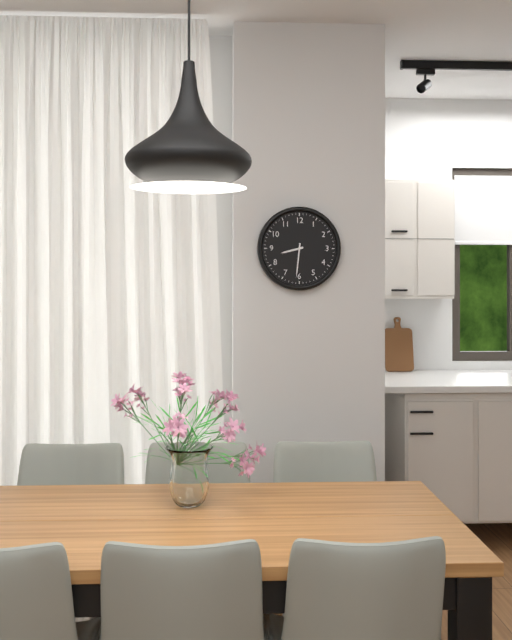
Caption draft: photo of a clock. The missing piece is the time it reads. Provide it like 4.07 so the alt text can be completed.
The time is 8.31
